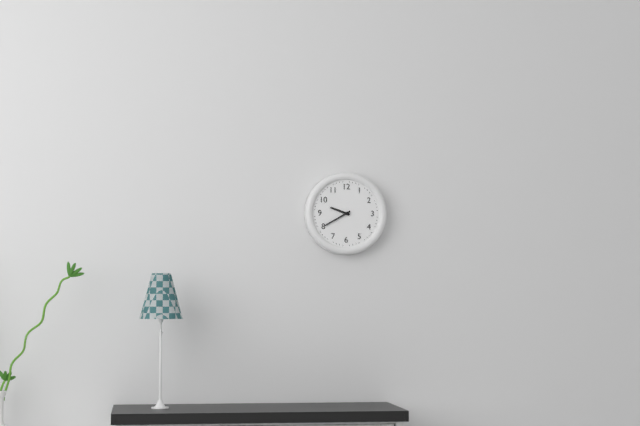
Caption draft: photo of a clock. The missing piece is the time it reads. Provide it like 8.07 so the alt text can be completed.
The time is 9.40
